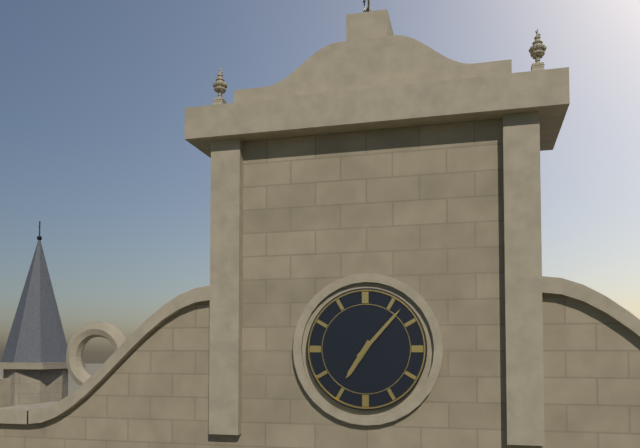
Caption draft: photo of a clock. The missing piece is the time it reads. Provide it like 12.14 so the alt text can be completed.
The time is 7.07
